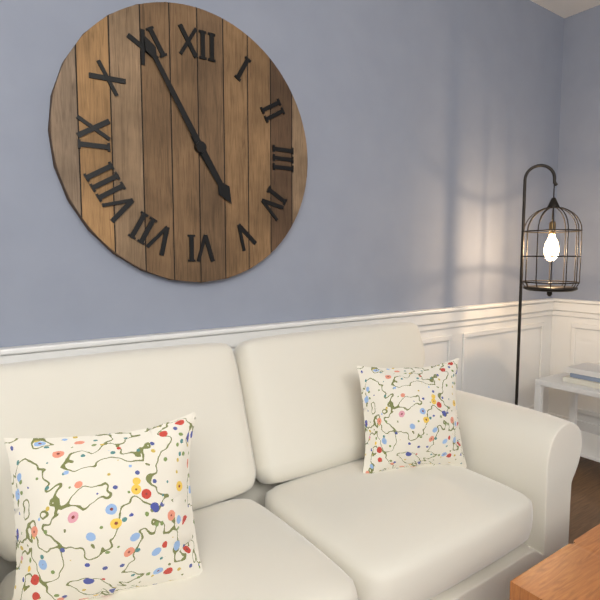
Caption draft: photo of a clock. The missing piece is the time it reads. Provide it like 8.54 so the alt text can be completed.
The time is 4.55
